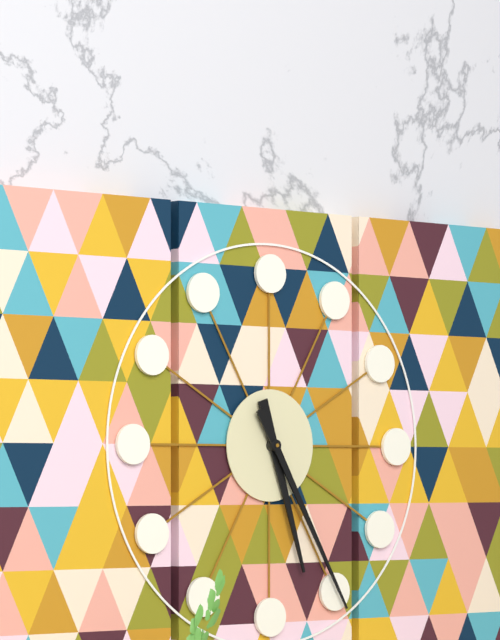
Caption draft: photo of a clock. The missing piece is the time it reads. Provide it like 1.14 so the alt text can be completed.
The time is 5.25
